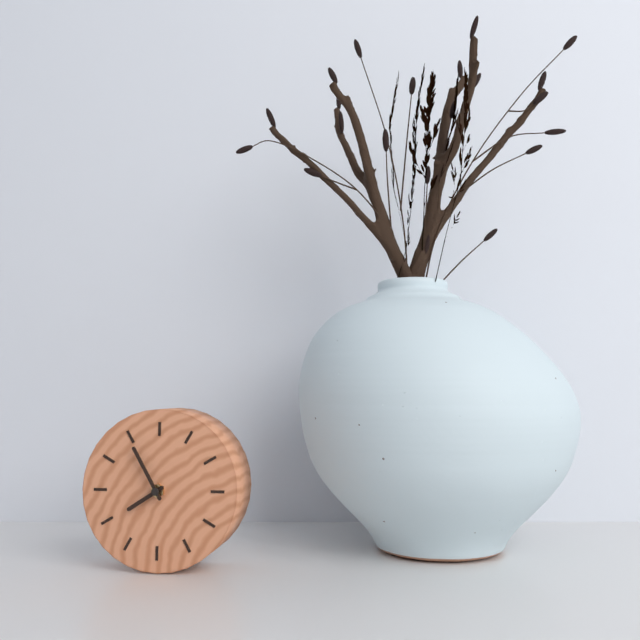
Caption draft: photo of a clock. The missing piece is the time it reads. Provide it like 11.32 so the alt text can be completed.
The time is 7.55
